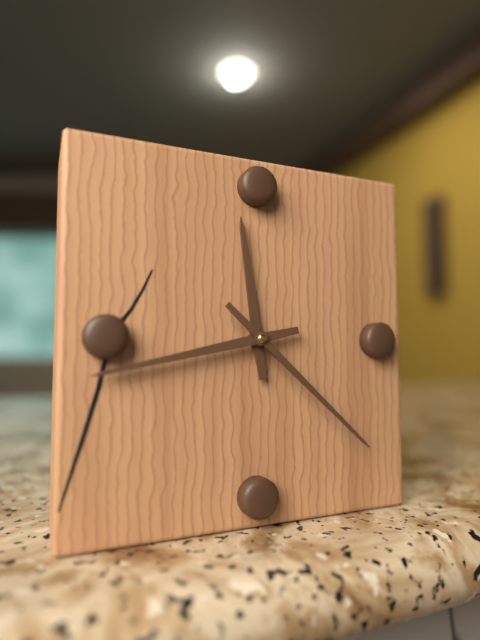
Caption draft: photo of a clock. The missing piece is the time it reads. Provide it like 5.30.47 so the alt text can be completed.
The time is 11.43.22
